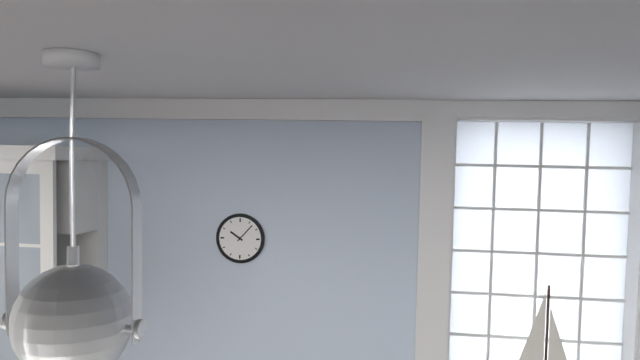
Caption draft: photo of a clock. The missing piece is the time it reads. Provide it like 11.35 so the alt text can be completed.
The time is 10.07
